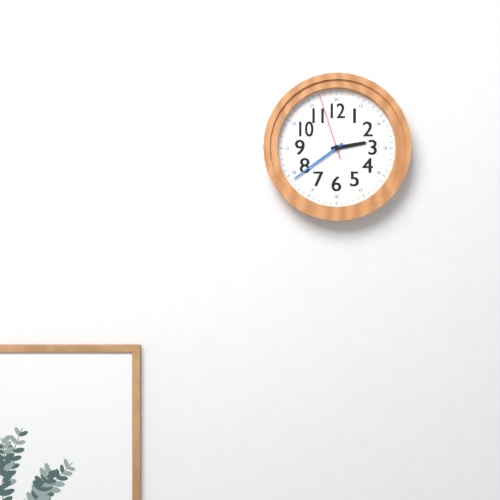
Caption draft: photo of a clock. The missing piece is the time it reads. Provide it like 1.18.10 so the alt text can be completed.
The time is 2.39.57
